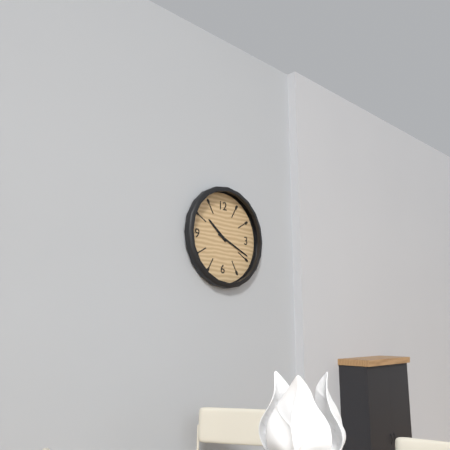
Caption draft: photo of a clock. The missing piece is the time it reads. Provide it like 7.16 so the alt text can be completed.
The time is 10.19
